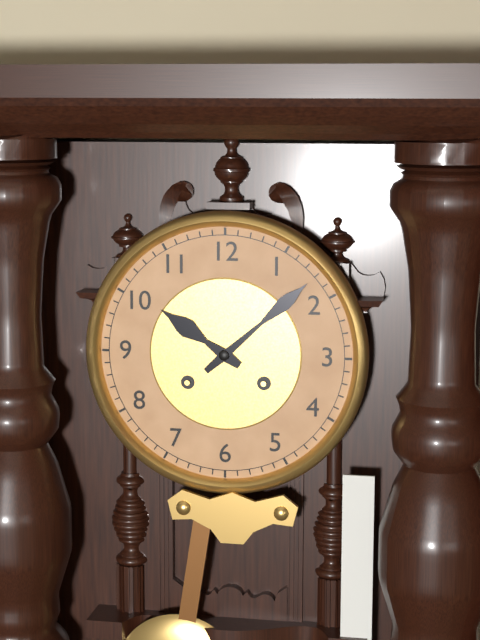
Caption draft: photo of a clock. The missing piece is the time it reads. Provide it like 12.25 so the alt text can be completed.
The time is 10.08
